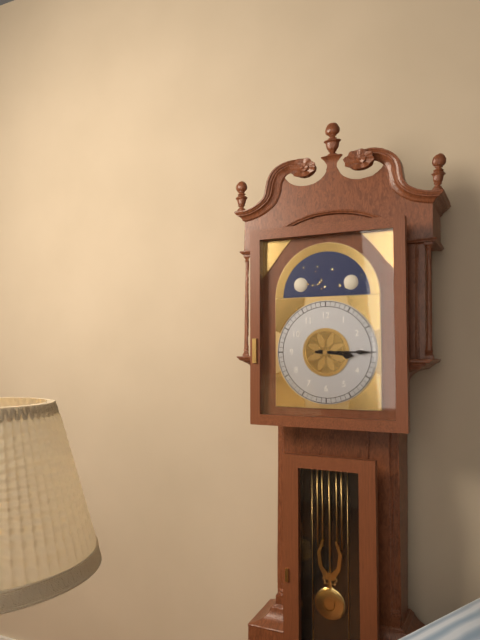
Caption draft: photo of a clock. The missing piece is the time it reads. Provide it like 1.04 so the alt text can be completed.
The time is 3.15
